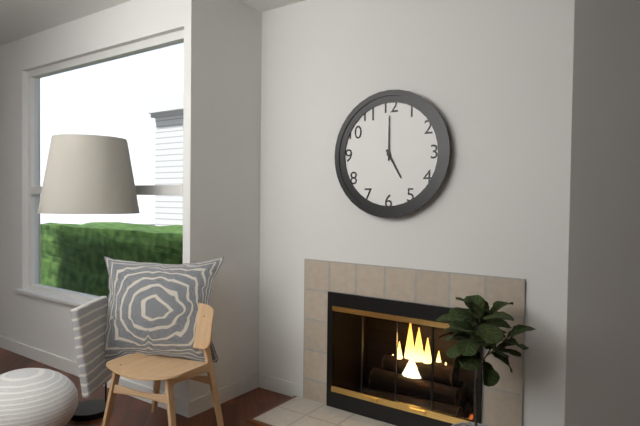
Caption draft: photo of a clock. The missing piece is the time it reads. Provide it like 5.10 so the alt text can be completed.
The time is 5.00
